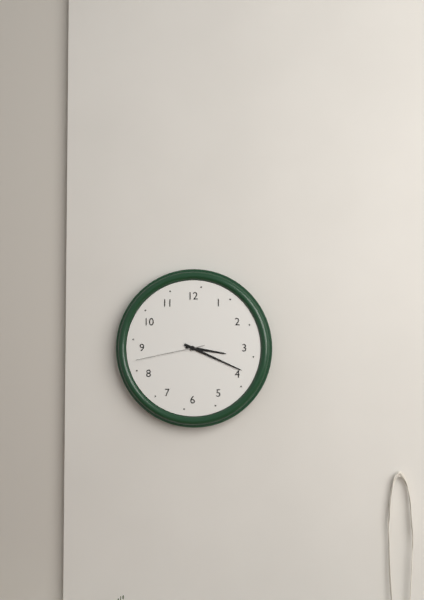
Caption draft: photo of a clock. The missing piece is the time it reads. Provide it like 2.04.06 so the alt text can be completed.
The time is 3.19.43
